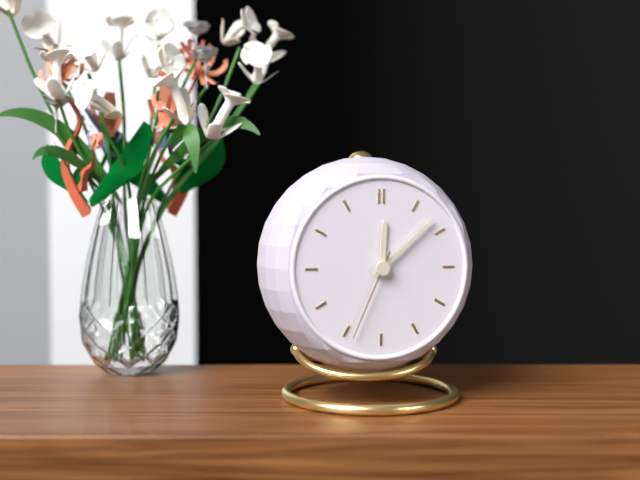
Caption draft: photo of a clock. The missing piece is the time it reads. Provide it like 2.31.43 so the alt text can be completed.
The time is 12.08.34
